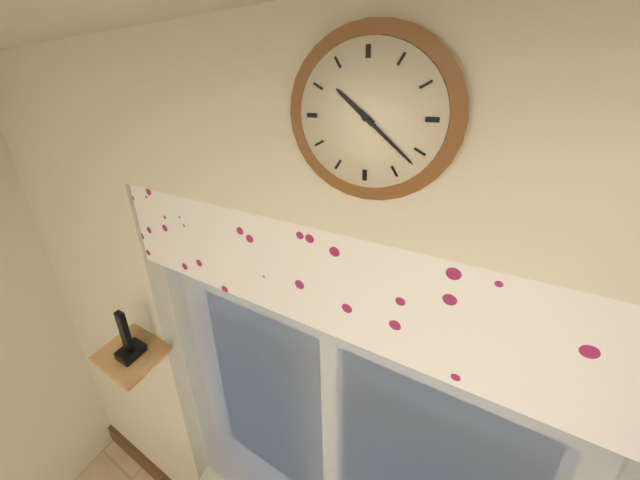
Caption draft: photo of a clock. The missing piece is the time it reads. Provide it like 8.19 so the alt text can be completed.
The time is 10.22
